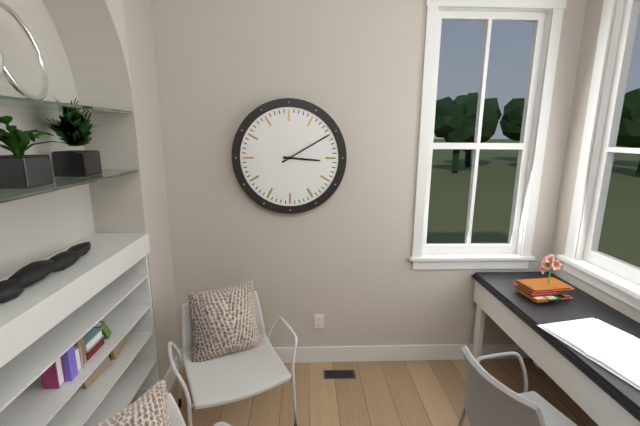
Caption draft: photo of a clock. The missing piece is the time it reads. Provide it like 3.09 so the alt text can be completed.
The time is 3.10
